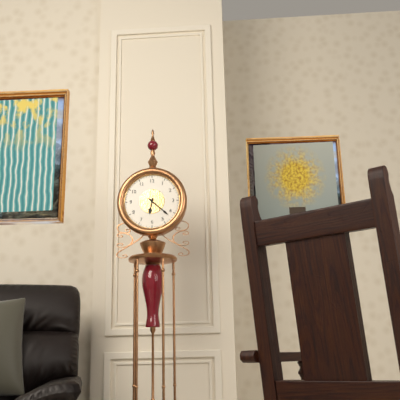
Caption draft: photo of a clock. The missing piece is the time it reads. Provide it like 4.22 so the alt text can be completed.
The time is 6.22
